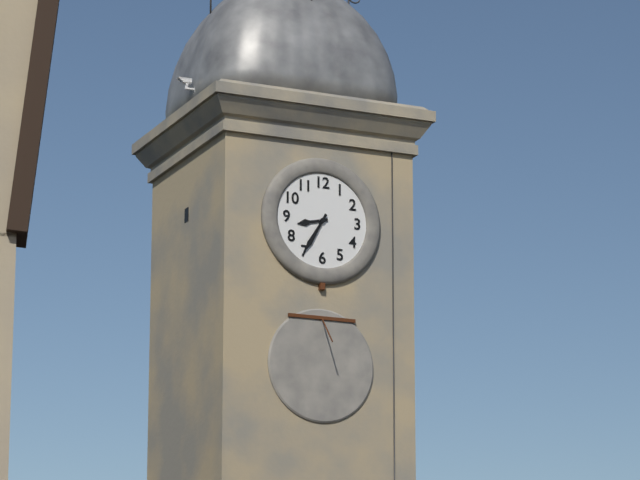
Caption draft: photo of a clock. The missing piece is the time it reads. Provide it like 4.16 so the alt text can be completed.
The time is 8.35
